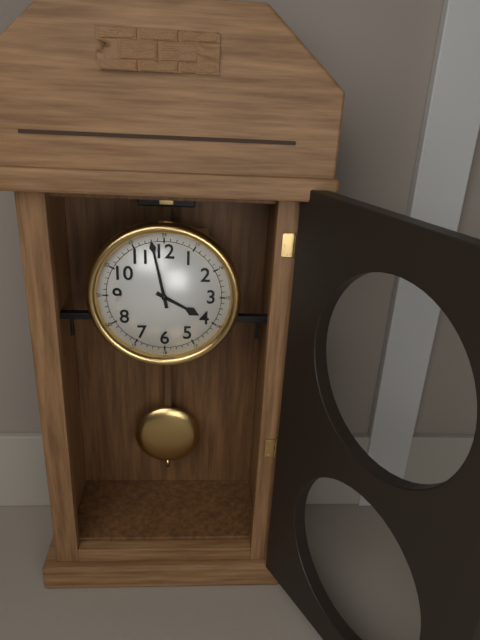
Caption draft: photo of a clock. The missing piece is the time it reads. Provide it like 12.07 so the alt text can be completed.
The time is 3.58
